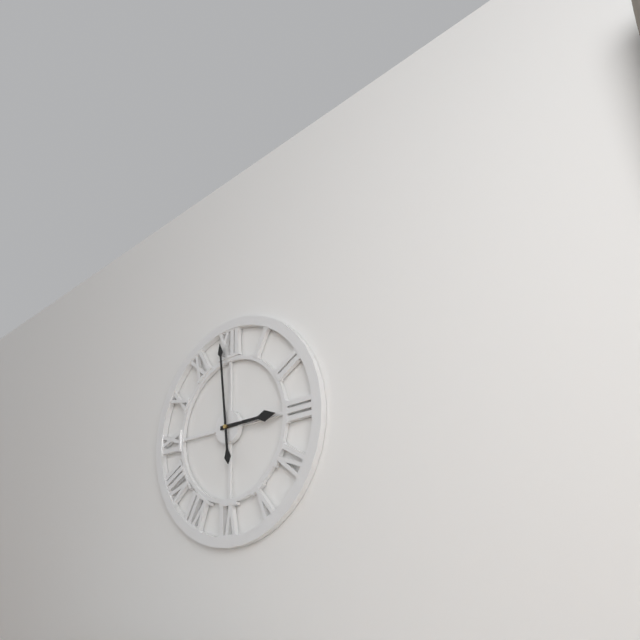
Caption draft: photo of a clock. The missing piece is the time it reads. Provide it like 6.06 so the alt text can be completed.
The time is 2.59
